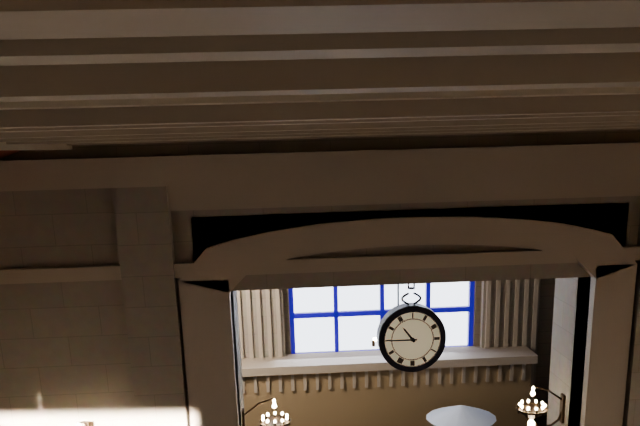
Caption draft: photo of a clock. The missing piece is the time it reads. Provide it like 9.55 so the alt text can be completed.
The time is 10.45
